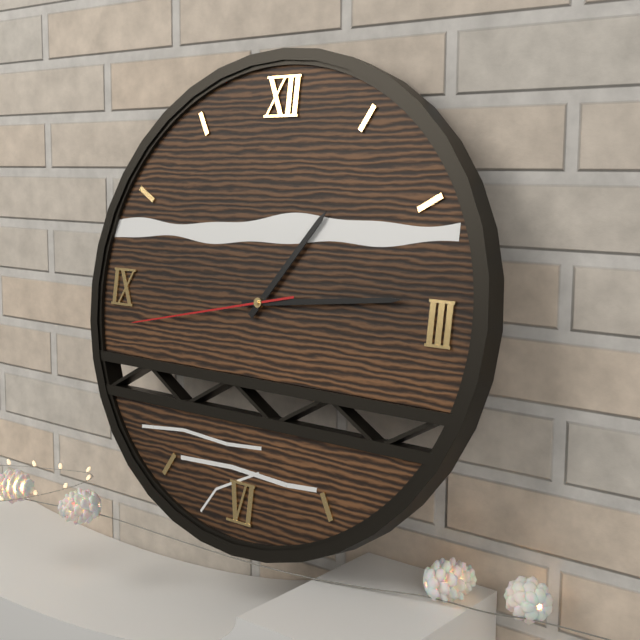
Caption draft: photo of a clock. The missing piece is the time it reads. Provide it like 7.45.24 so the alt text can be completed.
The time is 1.14.43
